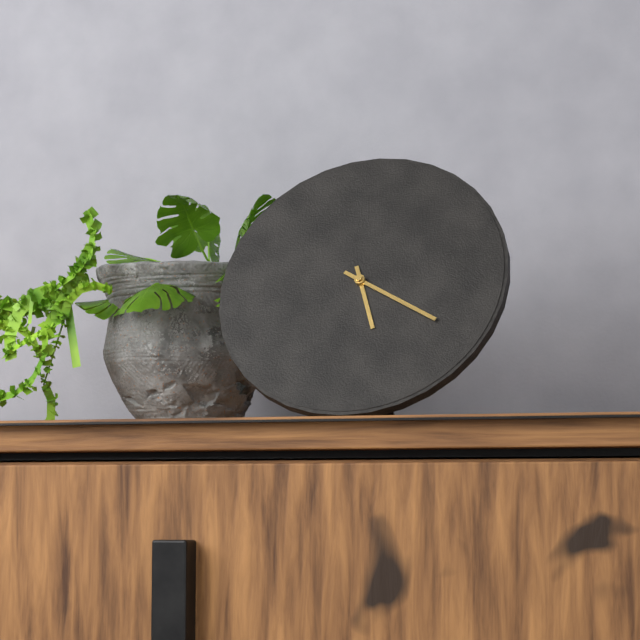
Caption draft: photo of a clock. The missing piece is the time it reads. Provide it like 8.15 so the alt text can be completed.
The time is 5.20
